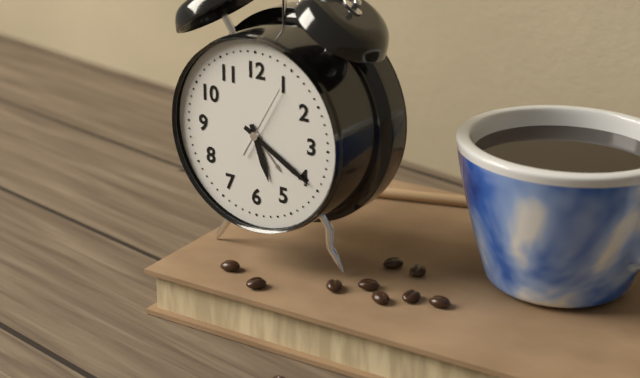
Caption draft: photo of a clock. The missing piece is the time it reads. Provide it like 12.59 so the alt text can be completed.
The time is 5.20
